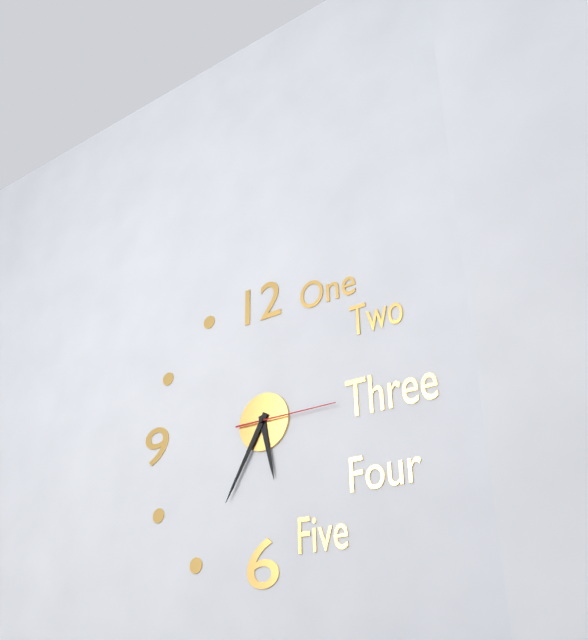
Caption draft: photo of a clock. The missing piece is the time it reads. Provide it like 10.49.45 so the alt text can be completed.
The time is 5.35.15
